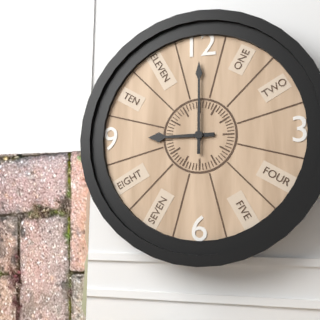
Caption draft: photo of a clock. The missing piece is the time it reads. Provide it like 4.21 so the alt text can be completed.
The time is 9.00
